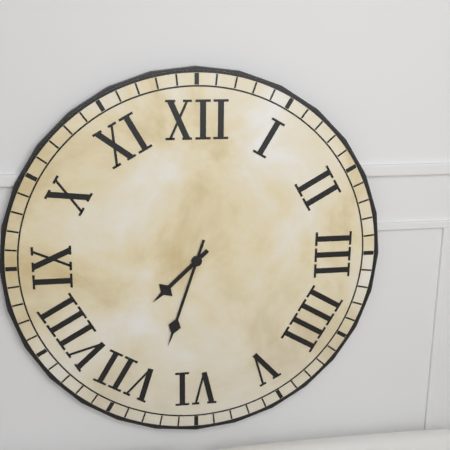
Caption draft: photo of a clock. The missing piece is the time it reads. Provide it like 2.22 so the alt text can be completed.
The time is 7.33
